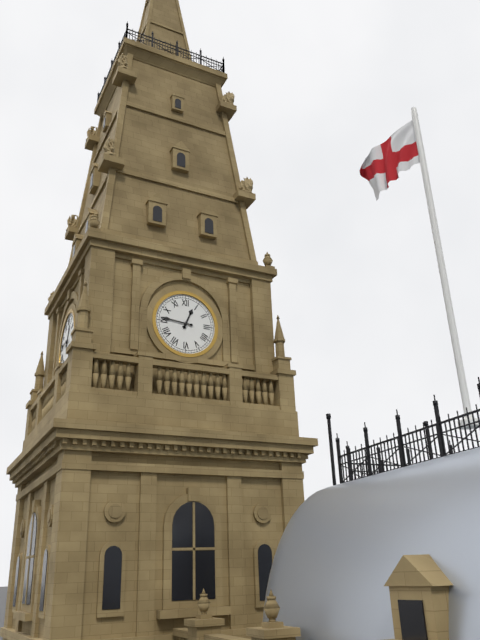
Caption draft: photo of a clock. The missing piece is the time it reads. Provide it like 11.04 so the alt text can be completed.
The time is 12.46
